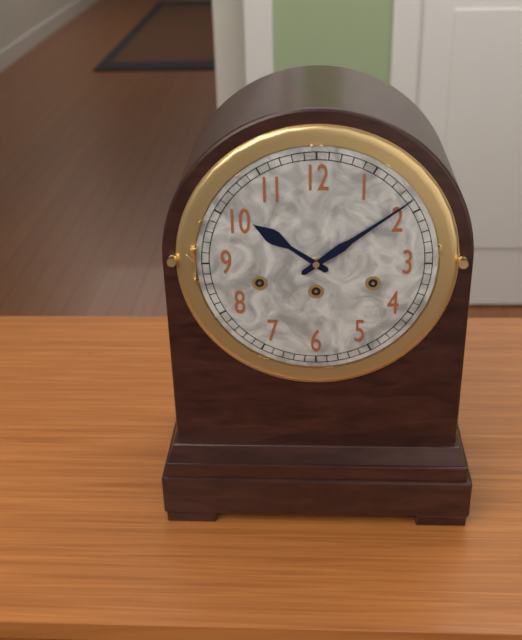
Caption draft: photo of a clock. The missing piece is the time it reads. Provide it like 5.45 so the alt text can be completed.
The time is 10.09
